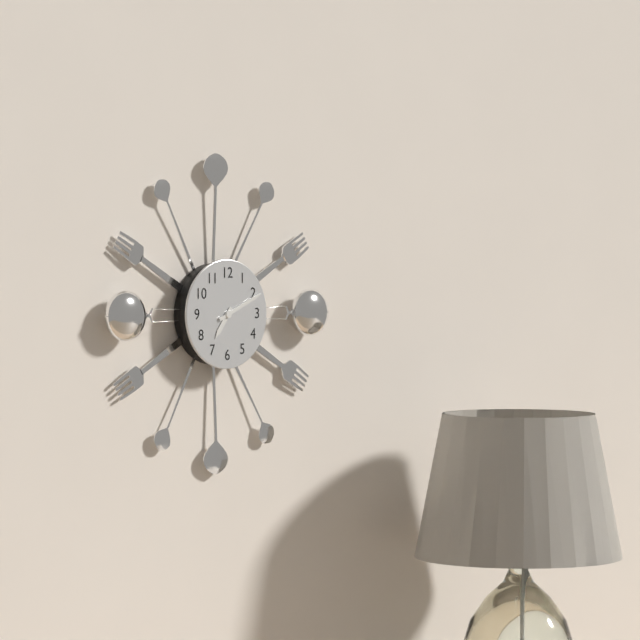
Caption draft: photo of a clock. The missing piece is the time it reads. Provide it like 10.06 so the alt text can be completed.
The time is 7.11
